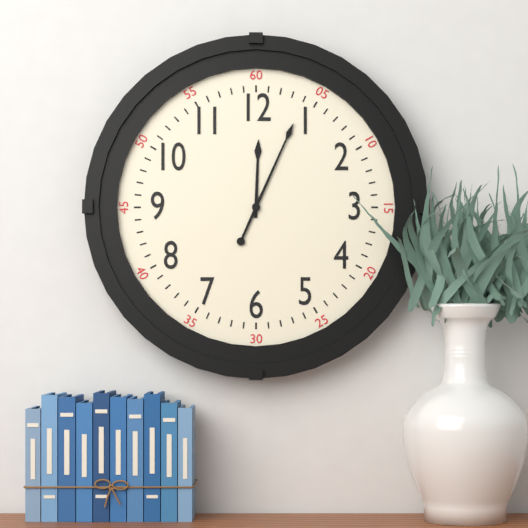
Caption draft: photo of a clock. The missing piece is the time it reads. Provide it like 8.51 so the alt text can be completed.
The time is 12.04
